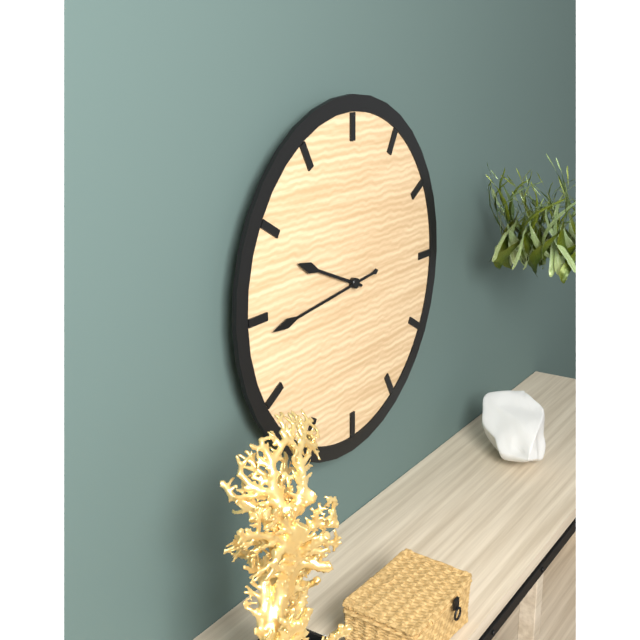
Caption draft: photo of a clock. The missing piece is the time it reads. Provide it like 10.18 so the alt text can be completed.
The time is 9.44
